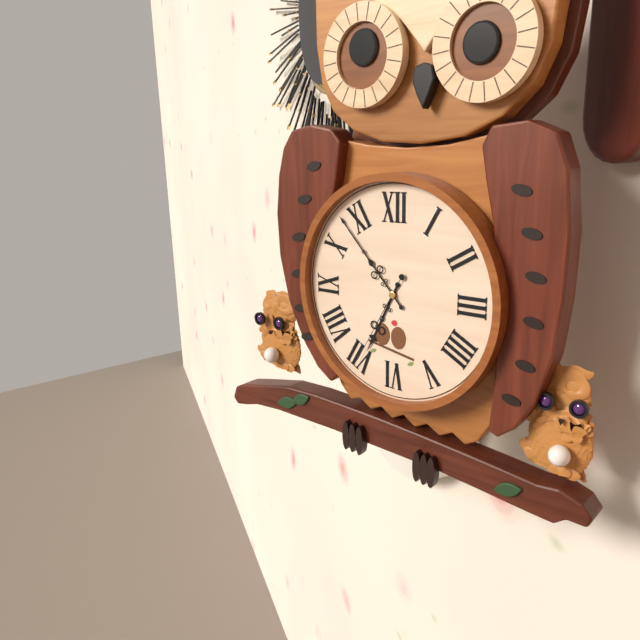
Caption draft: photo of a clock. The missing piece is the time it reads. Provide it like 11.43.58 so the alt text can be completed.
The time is 6.53.35
